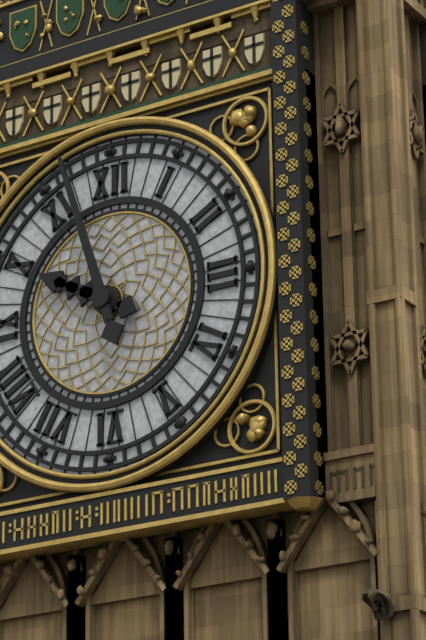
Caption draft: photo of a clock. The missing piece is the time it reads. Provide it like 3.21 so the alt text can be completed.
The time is 9.57
